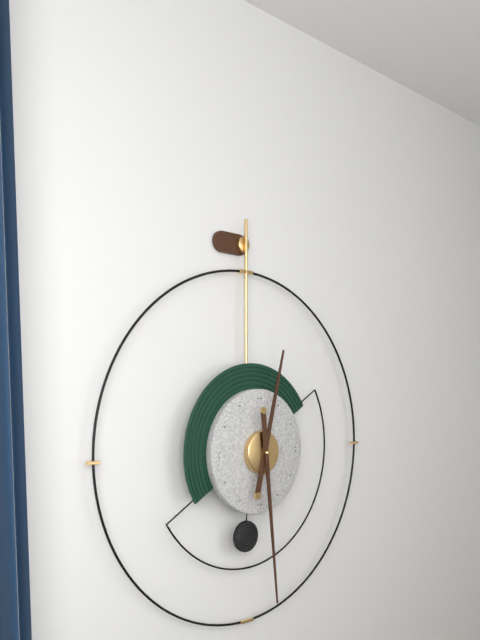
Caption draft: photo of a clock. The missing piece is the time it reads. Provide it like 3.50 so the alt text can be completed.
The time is 12.29
